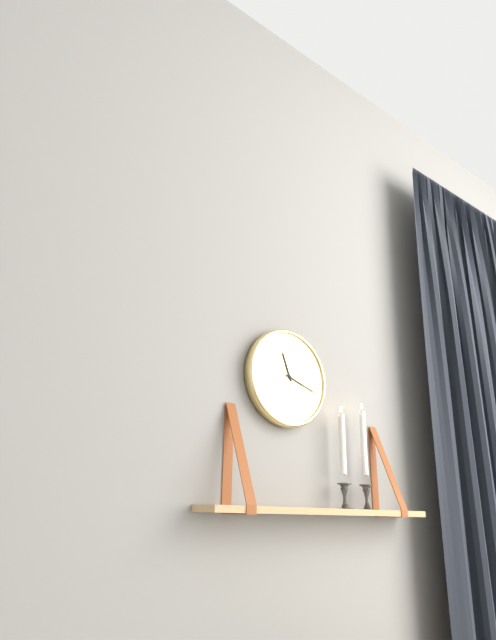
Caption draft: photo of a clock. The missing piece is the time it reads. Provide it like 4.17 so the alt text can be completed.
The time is 11.18
